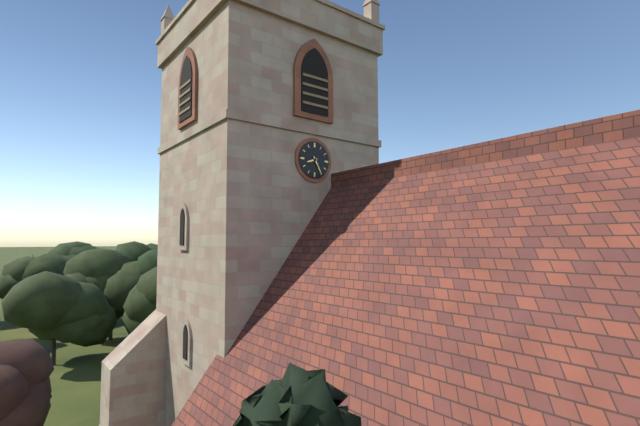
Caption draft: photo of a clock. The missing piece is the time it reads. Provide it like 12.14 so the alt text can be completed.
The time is 8.25
